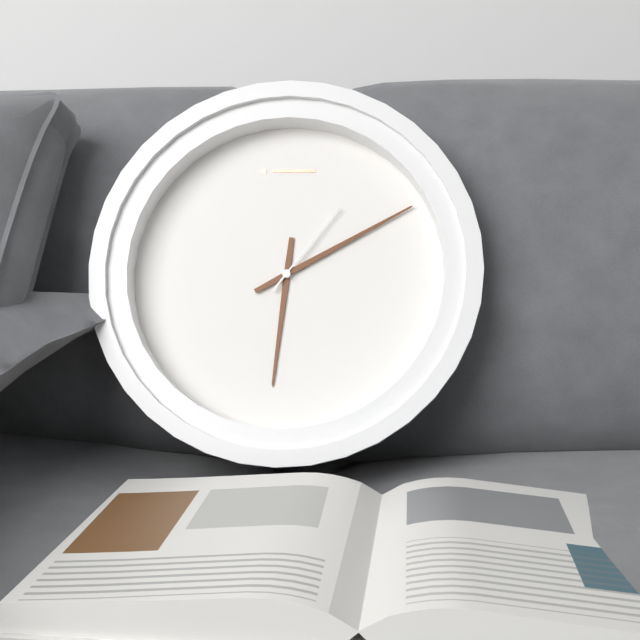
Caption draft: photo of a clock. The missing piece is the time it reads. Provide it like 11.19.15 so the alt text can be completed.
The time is 6.10.06
